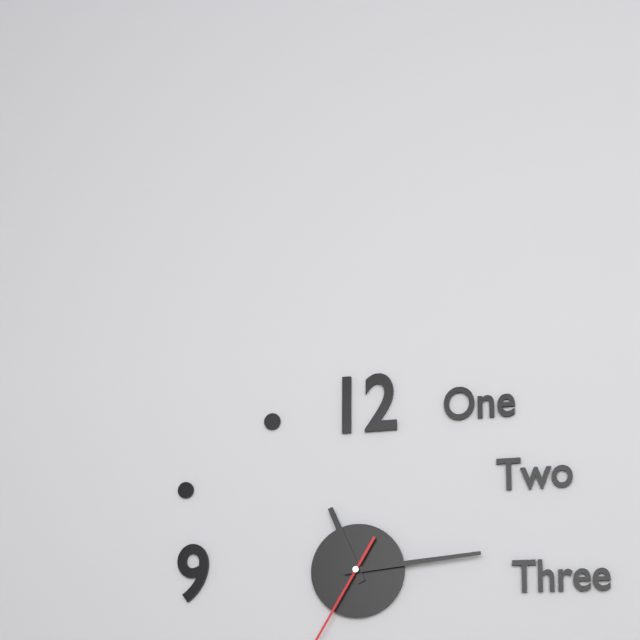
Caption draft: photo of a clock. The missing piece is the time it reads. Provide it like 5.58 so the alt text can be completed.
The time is 11.14
